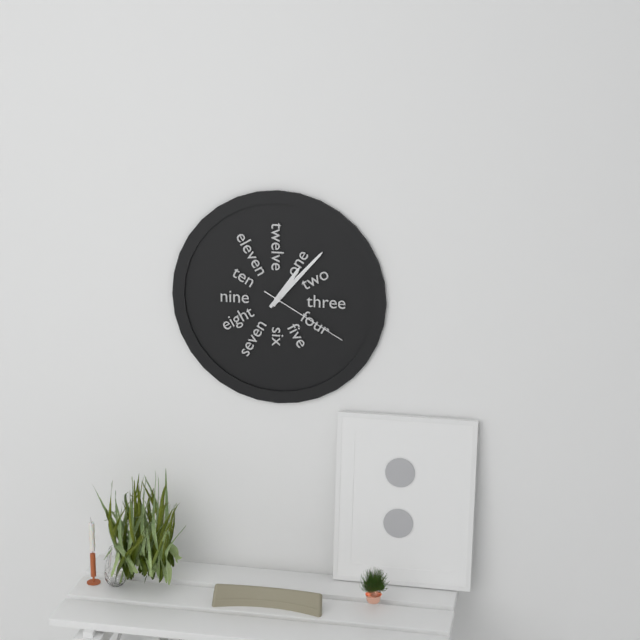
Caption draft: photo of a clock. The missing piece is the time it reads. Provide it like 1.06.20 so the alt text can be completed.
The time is 1.07.20
